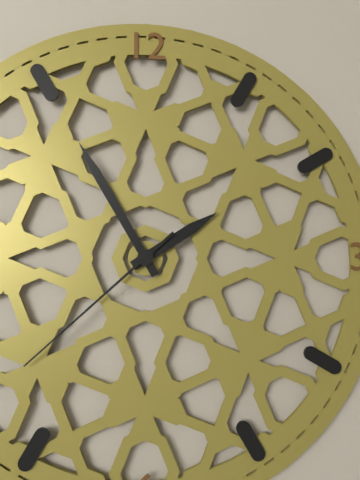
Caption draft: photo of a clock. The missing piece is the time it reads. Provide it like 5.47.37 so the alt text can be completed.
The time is 1.55.38
